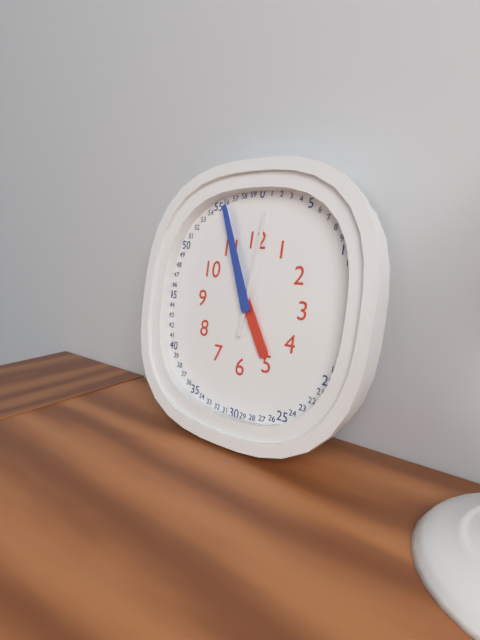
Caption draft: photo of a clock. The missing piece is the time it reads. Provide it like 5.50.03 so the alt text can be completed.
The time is 4.56.01
